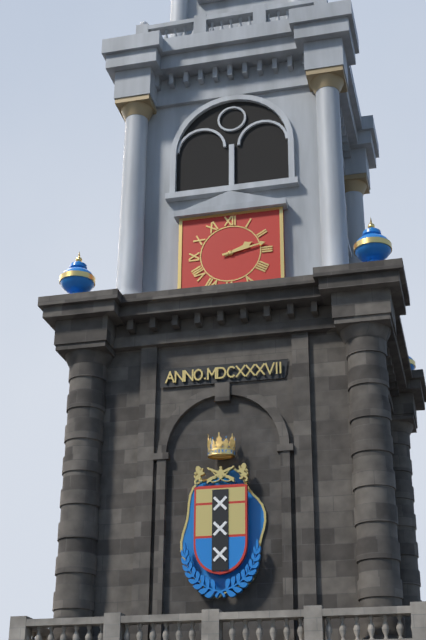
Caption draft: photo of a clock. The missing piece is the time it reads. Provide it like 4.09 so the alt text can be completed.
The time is 2.13
